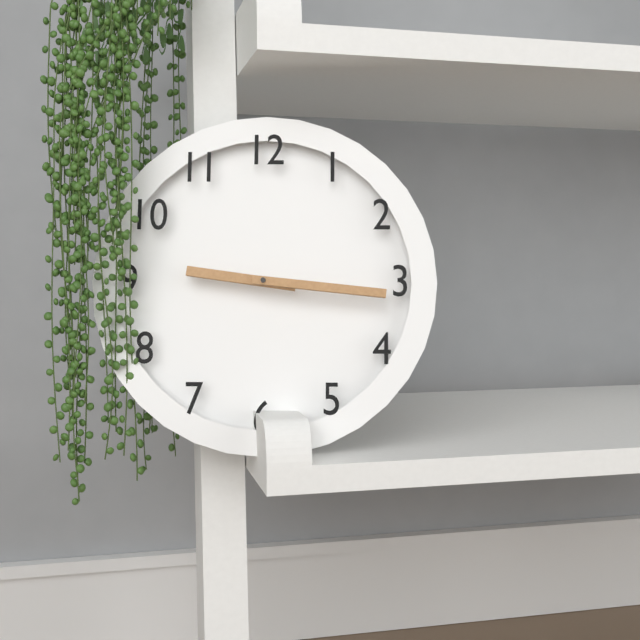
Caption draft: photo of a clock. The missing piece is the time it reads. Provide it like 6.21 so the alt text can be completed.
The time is 9.16
